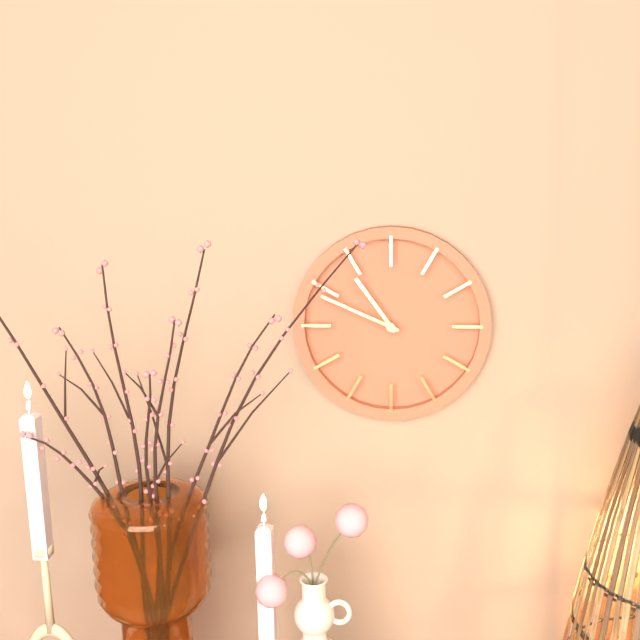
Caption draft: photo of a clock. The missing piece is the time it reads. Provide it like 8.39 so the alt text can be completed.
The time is 10.49
